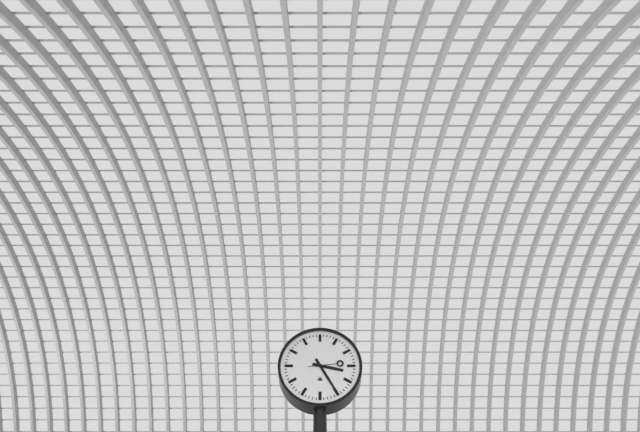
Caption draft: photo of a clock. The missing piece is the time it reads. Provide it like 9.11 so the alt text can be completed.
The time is 3.25
